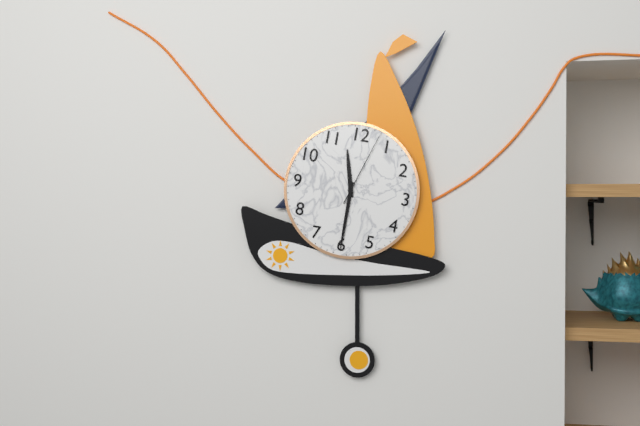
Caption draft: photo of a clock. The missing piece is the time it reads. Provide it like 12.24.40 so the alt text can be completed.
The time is 11.30.03
